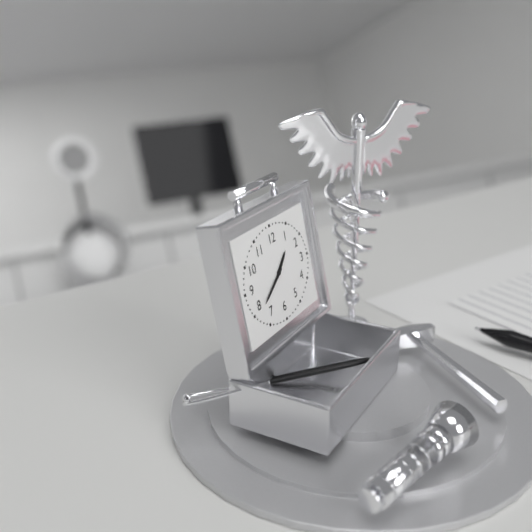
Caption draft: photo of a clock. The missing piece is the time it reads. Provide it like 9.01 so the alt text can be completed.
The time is 1.40
